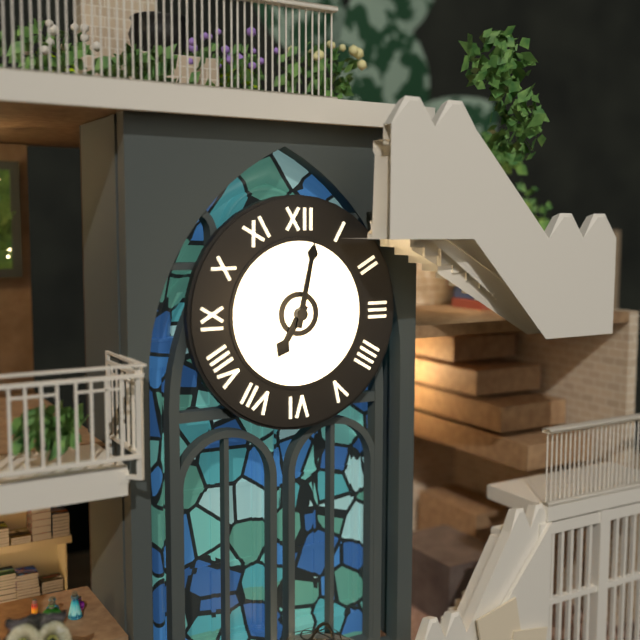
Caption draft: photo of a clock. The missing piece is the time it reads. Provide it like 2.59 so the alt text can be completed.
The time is 7.02
